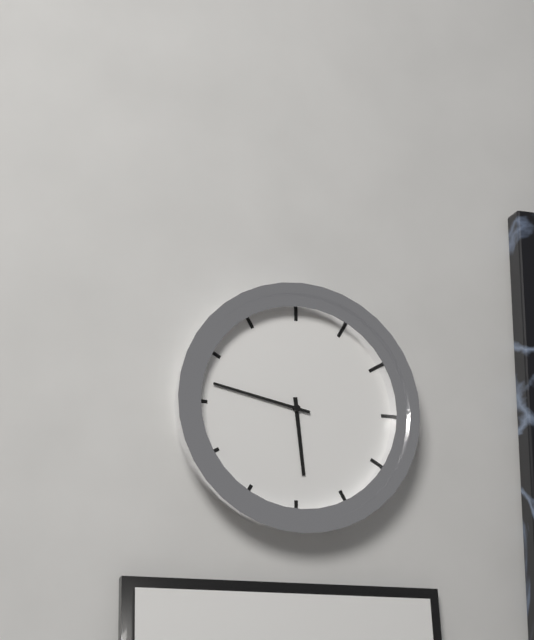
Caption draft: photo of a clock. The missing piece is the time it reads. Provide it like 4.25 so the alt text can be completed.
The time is 5.47
